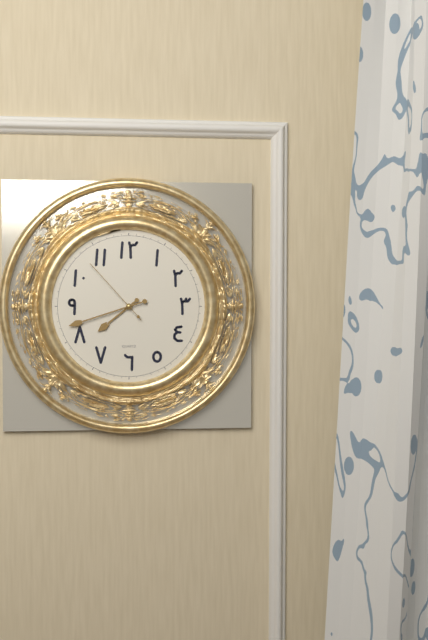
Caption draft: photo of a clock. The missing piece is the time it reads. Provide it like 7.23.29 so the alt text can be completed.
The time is 7.42.53
